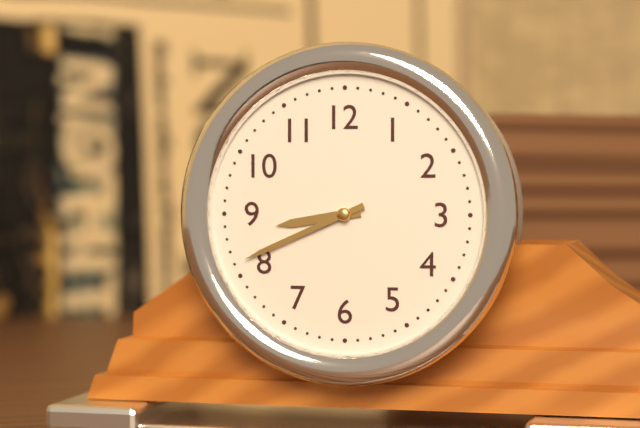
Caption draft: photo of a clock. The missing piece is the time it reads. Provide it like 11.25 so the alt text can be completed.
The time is 8.41
